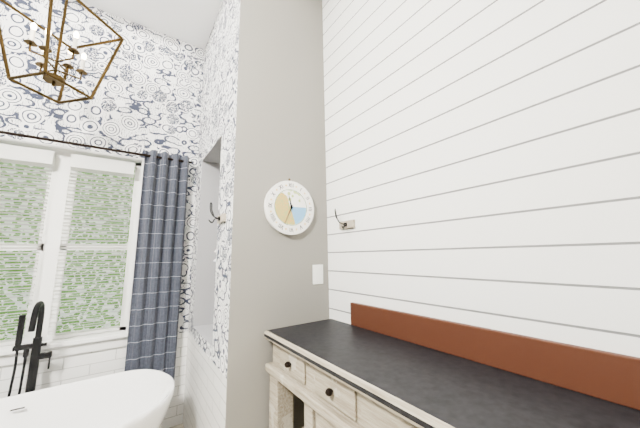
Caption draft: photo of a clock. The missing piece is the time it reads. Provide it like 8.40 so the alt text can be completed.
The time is 11.34
